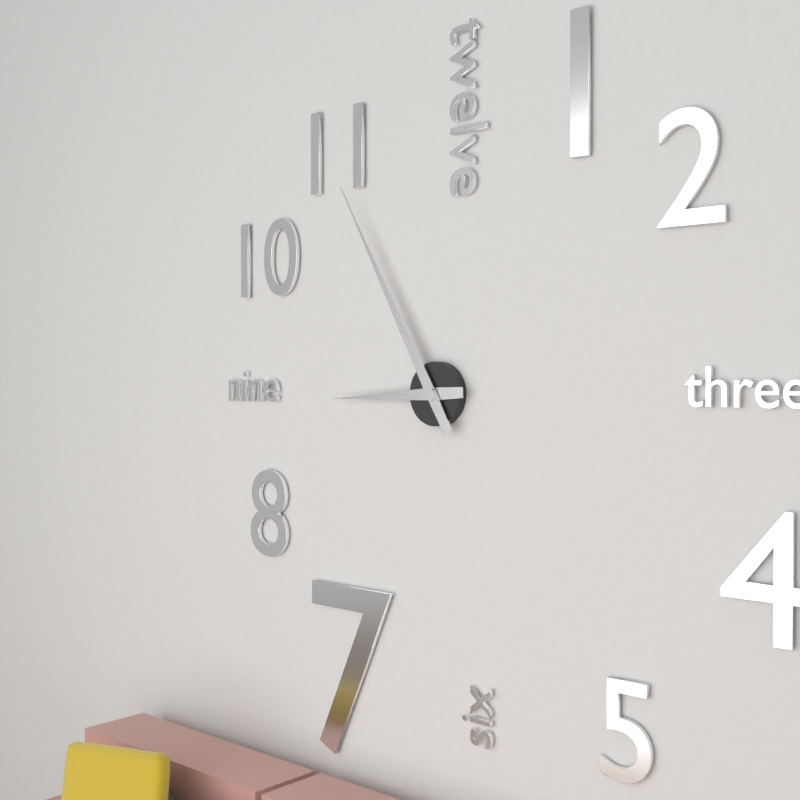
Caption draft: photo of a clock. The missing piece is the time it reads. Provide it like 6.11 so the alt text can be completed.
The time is 8.55
